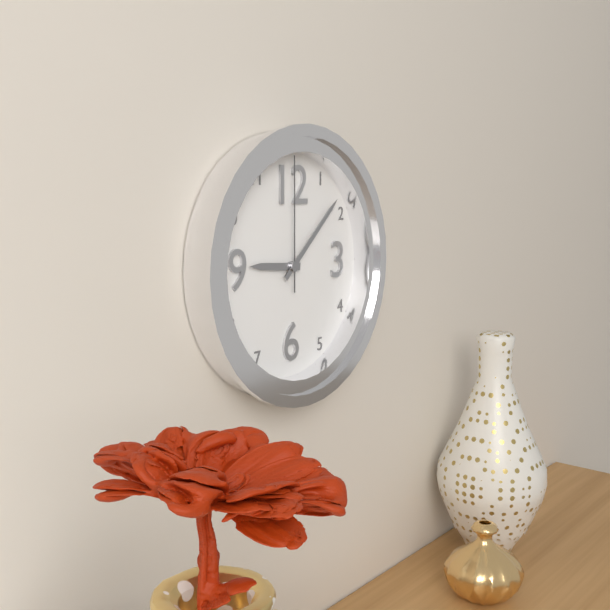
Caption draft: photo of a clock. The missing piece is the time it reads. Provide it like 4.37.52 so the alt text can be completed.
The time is 9.08.00
